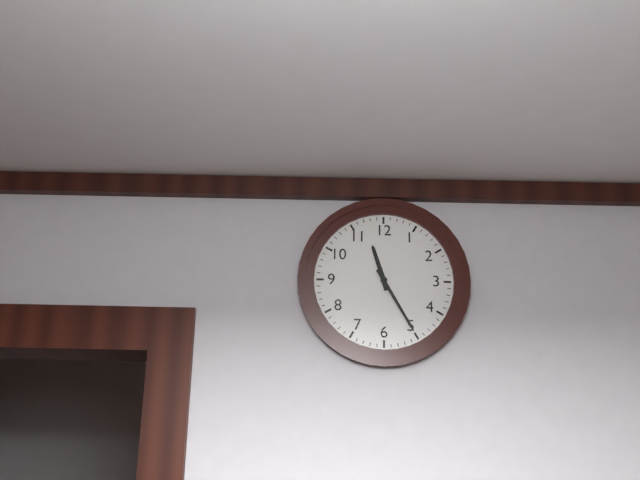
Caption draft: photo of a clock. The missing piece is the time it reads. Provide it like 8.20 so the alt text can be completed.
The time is 11.25
